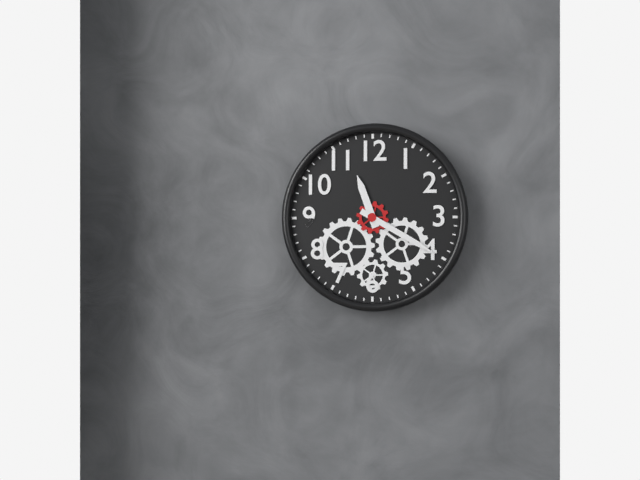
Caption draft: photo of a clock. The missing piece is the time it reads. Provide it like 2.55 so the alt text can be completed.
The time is 11.20
